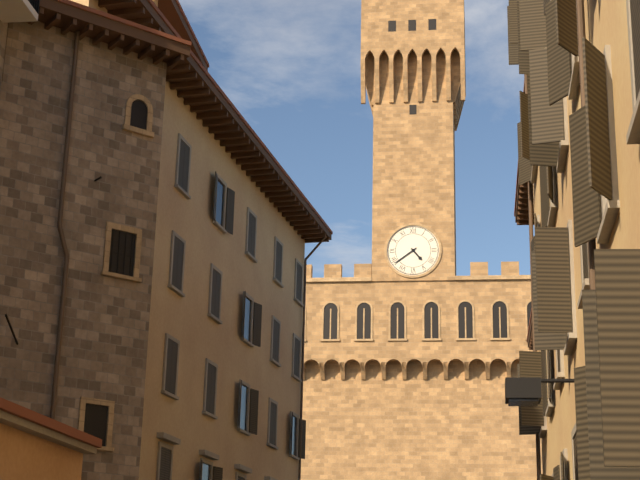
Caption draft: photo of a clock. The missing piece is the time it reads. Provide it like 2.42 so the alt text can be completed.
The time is 4.39
